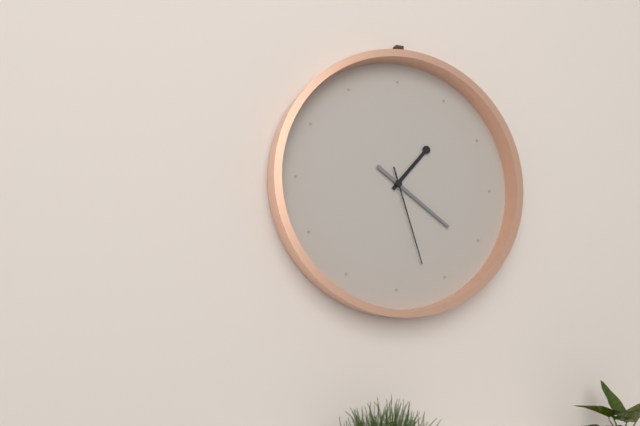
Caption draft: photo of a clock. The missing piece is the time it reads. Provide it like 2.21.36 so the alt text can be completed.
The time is 1.21.27
